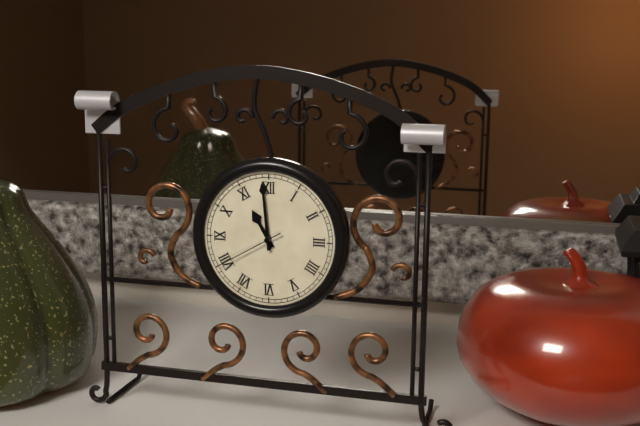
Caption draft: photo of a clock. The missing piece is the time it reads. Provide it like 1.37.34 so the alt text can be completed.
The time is 10.59.40
